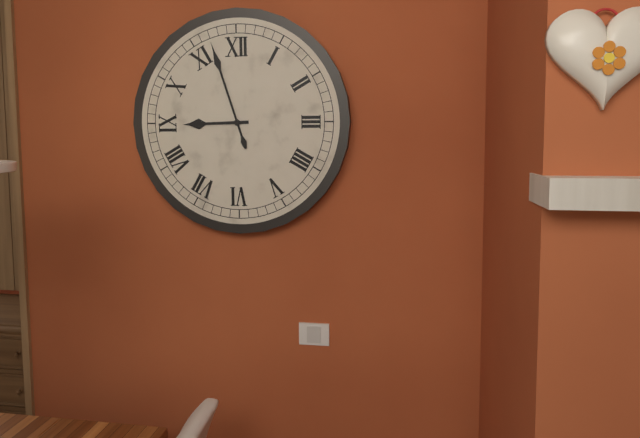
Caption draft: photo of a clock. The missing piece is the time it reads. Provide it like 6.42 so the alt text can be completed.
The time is 8.57
